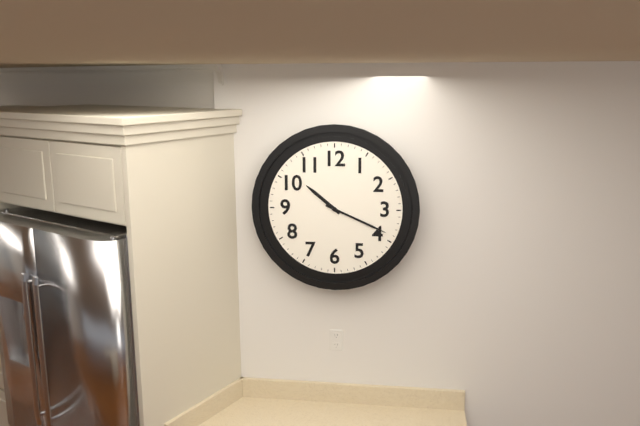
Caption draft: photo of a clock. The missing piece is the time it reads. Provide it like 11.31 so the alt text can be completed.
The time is 10.19
